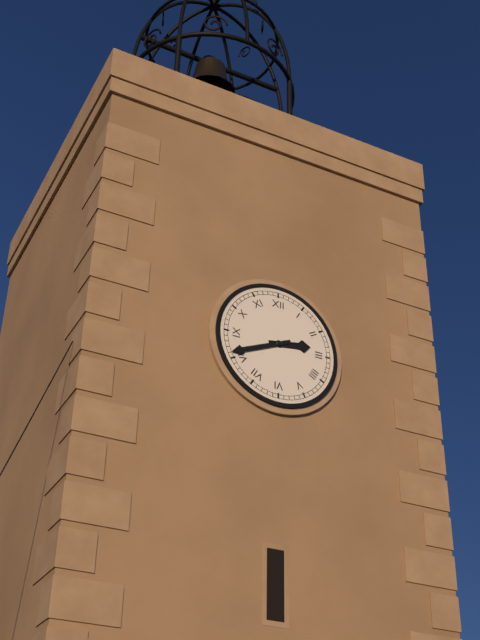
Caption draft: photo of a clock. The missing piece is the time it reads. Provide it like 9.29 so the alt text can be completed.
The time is 2.41
